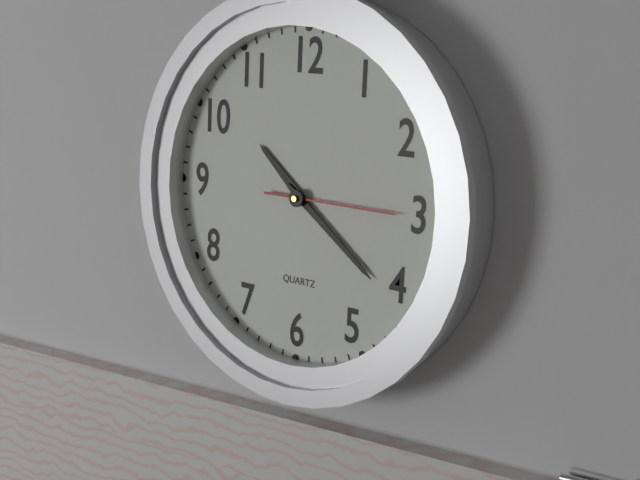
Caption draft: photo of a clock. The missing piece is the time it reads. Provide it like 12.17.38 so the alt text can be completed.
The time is 10.21.15
